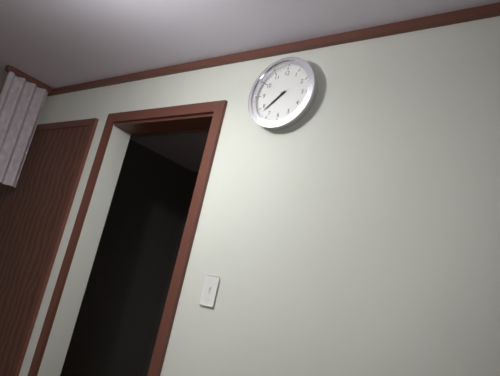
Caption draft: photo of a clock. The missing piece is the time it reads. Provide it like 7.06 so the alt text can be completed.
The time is 7.38
